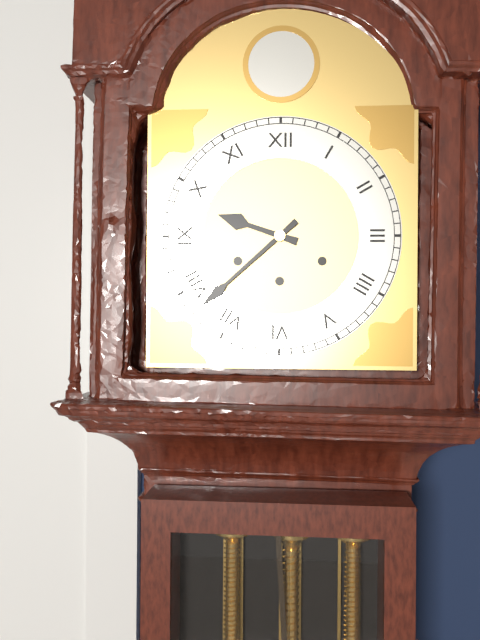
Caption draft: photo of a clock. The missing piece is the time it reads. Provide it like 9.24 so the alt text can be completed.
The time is 9.38
